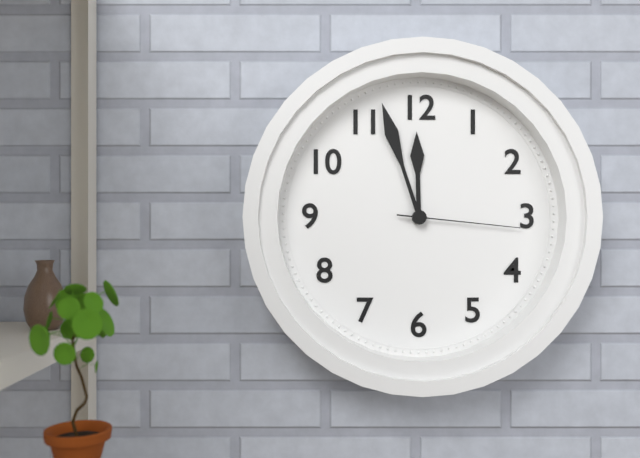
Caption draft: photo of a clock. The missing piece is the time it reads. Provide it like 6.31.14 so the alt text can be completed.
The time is 11.57.16
